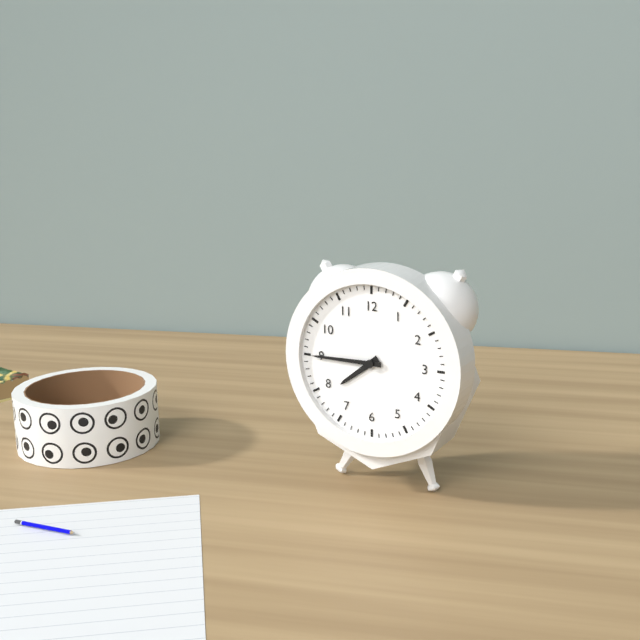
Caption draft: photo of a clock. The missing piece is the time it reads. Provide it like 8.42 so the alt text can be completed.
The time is 7.45
